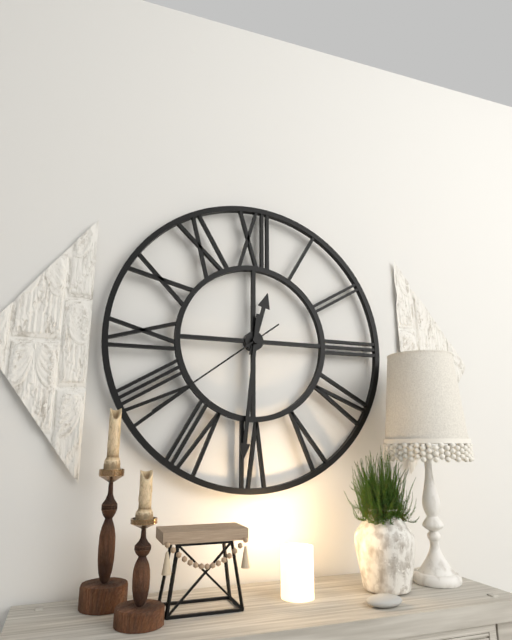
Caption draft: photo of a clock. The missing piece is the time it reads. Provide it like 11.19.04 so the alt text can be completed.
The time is 12.31.39
